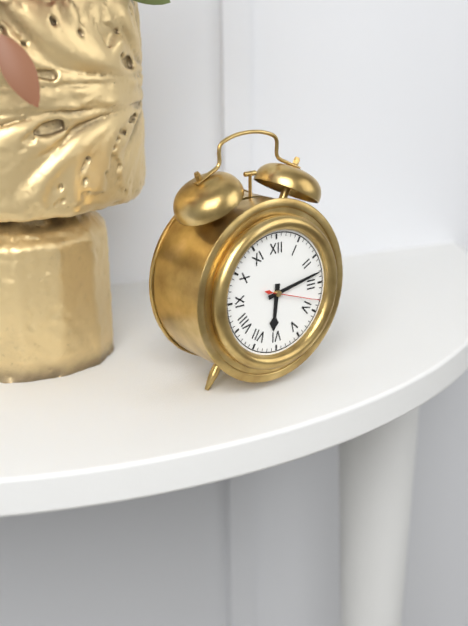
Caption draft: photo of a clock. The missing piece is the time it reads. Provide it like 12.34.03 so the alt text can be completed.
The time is 6.13.18
